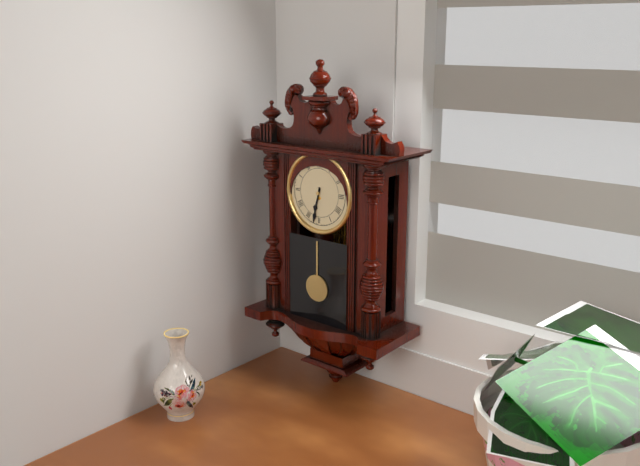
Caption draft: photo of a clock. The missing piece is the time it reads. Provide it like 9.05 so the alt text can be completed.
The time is 6.32
